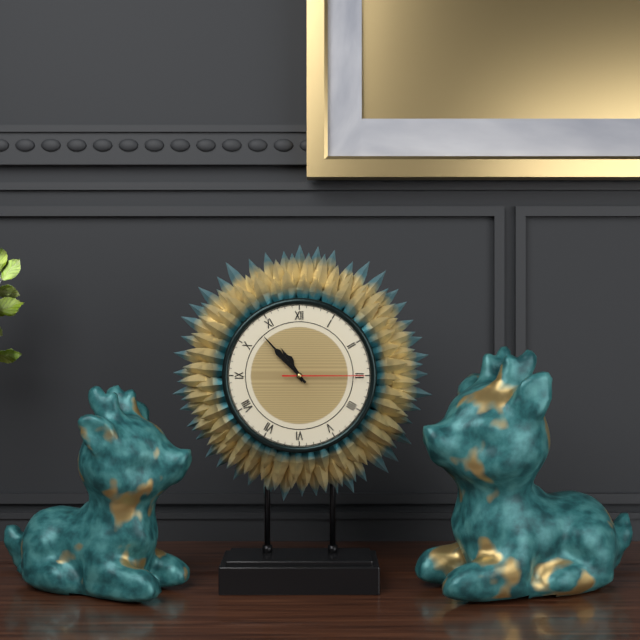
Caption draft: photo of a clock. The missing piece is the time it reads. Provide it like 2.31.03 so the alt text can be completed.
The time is 10.53.15
